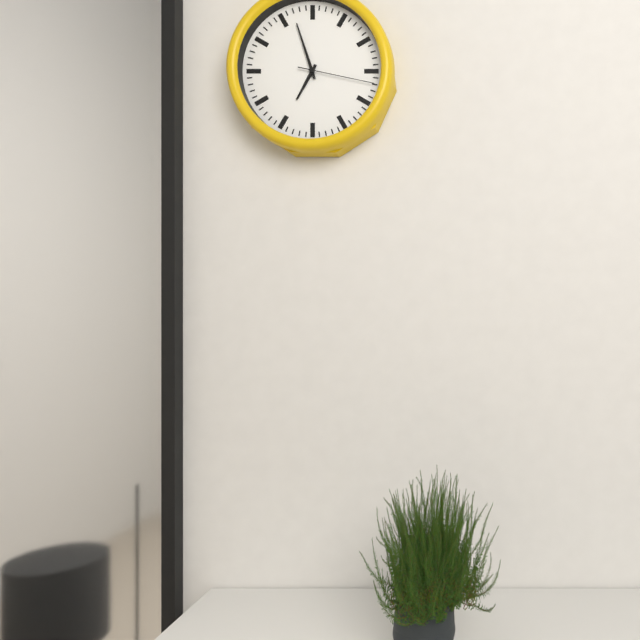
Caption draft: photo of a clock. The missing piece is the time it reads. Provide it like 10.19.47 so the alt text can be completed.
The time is 6.57.17
